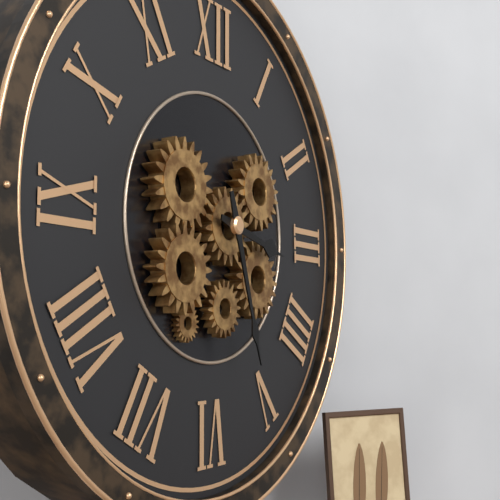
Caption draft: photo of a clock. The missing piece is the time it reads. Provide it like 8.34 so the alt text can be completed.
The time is 3.27
